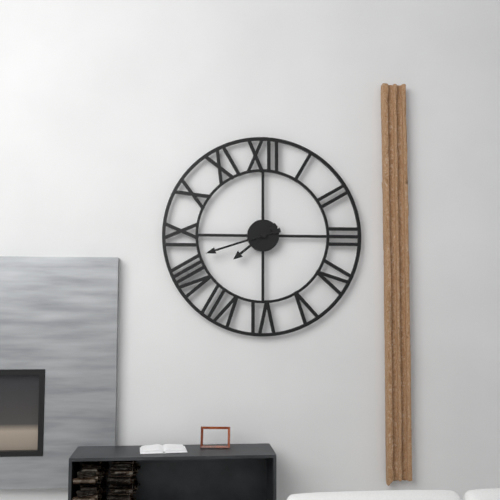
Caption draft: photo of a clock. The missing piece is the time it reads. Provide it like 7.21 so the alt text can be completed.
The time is 7.42
